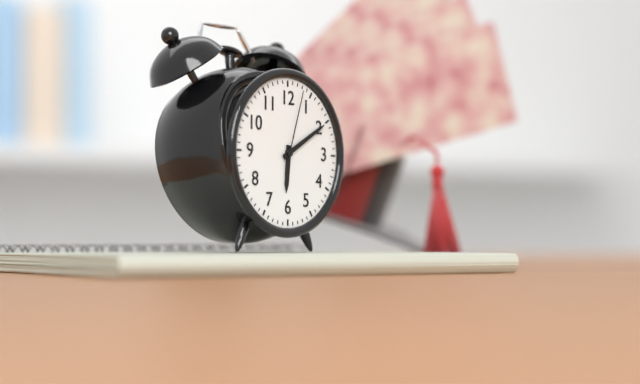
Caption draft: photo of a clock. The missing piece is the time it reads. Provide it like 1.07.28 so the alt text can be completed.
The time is 6.10.03
